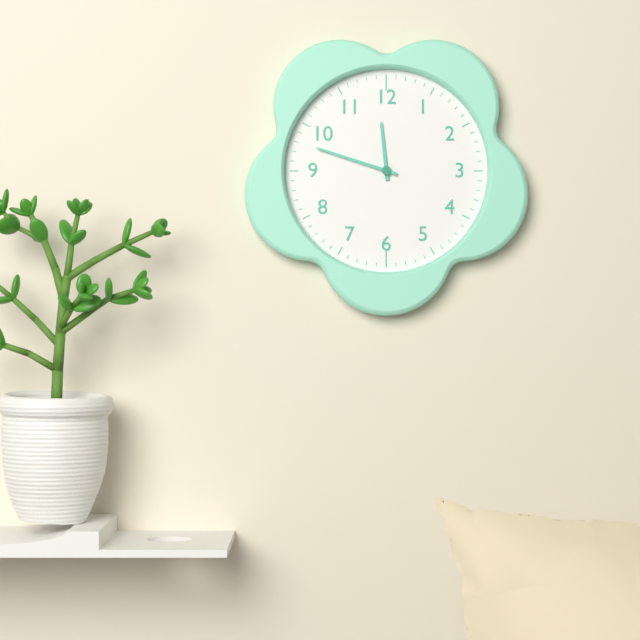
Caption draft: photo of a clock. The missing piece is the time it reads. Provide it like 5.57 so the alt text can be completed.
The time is 11.48
